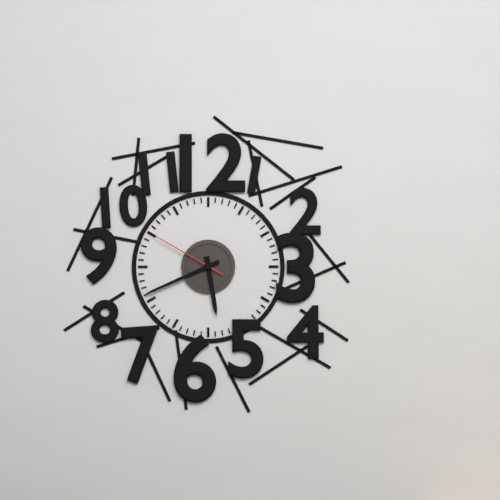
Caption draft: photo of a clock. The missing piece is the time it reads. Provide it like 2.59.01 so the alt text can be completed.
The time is 5.41.50
